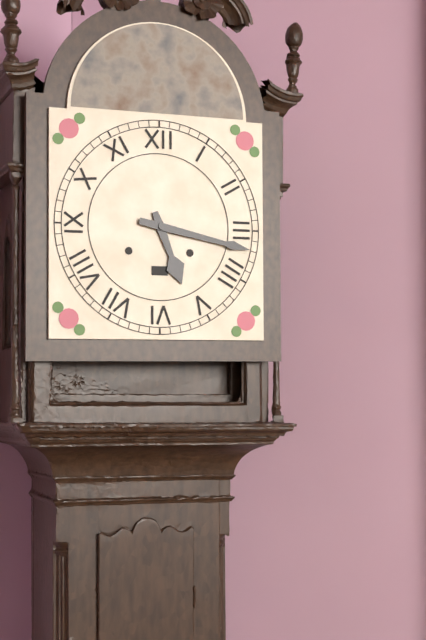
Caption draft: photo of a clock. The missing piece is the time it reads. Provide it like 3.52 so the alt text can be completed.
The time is 5.17
